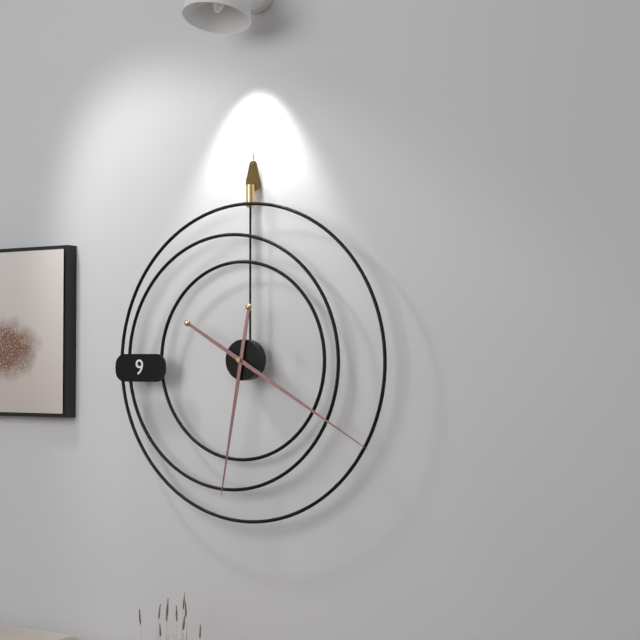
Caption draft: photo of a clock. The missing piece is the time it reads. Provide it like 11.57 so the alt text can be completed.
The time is 6.20
